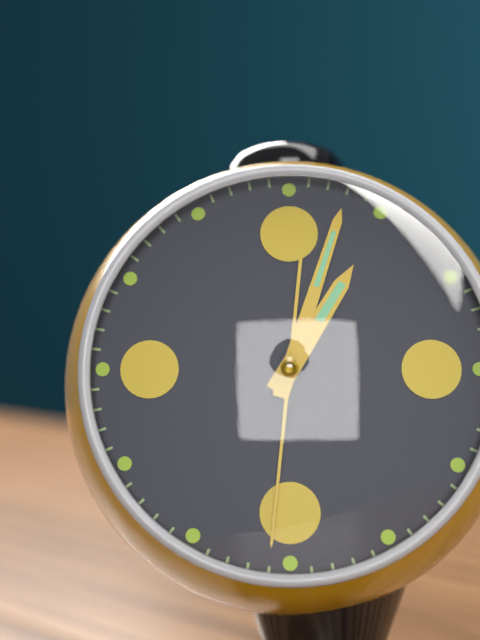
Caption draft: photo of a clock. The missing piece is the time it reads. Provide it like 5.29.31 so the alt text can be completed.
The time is 1.03.31
